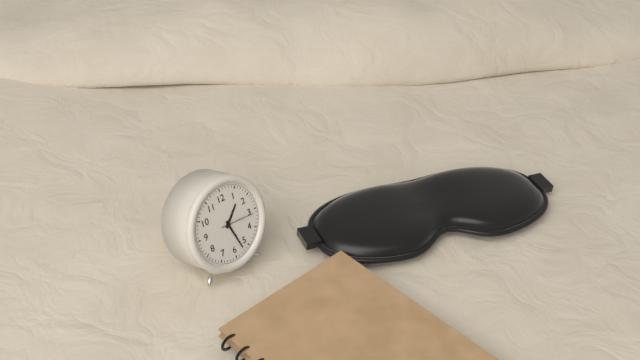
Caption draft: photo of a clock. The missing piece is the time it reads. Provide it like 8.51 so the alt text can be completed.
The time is 1.27
